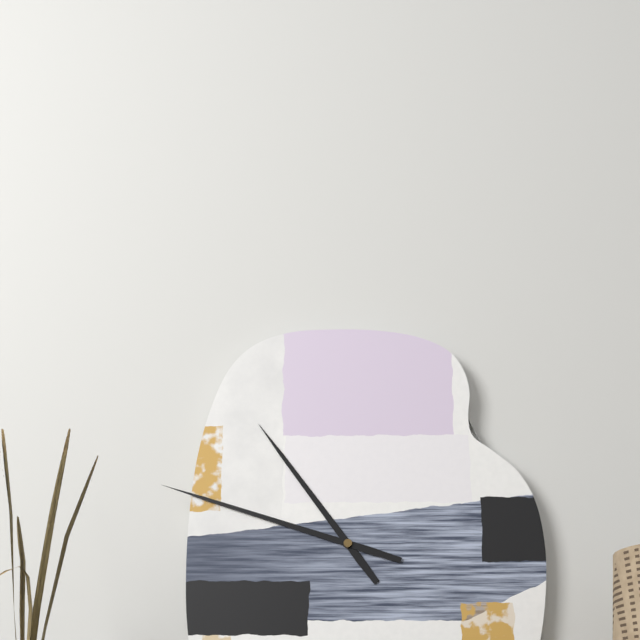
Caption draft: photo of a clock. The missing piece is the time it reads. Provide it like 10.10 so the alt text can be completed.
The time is 10.48
